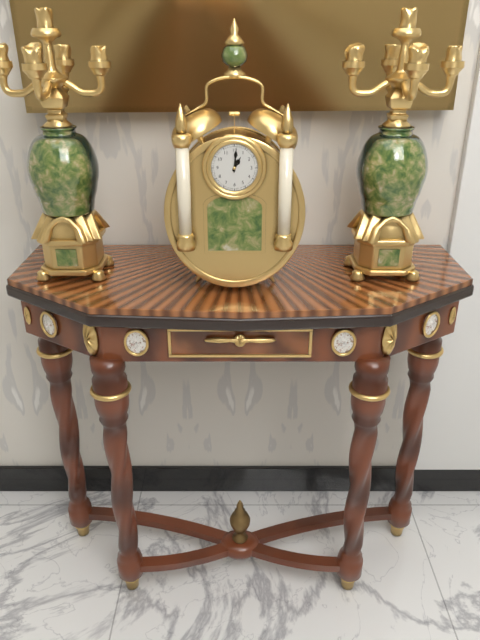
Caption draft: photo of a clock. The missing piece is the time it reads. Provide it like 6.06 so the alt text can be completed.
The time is 1.01
